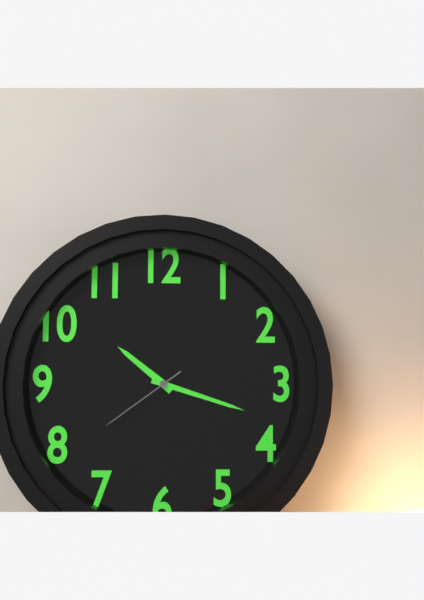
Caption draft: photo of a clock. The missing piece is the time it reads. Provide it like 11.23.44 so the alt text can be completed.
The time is 10.18.39
